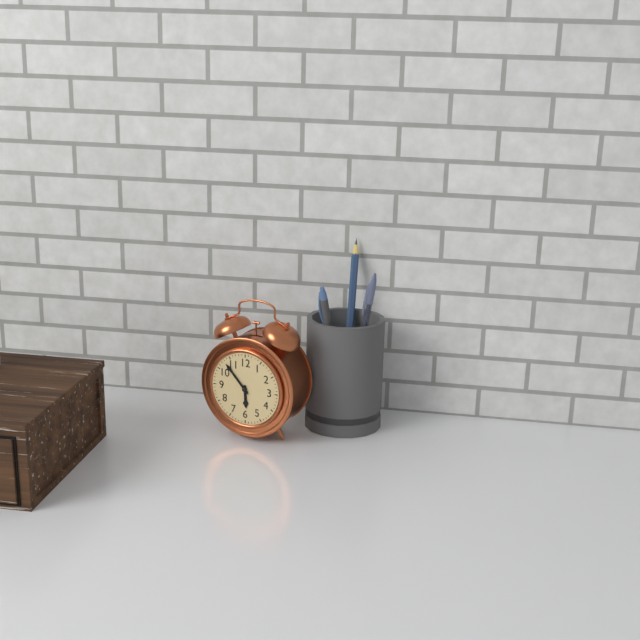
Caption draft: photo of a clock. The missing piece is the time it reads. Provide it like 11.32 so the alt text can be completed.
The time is 5.53
